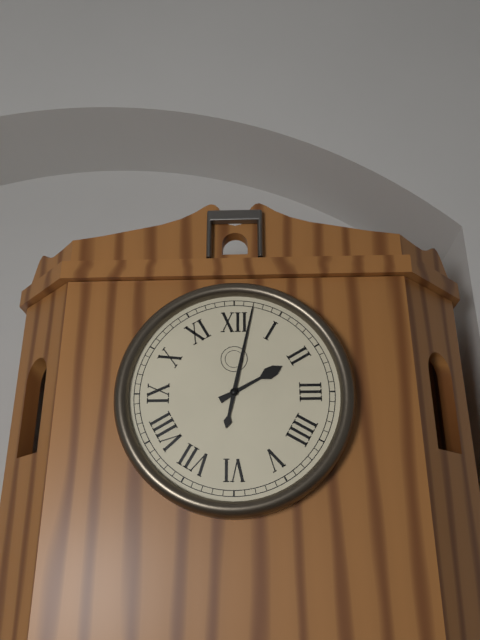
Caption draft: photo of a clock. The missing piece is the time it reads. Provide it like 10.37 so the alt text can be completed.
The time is 2.02
